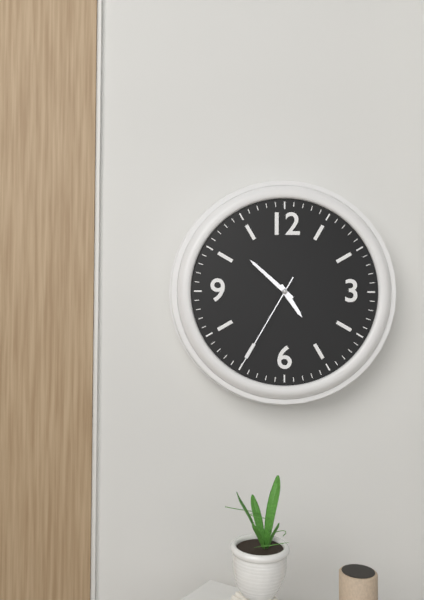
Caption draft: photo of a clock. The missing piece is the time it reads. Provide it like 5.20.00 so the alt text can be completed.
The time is 4.52.35
